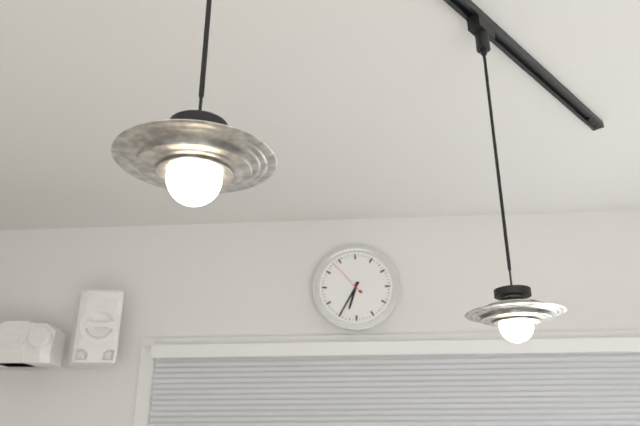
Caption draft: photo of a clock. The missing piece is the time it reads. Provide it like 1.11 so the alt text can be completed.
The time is 6.35
